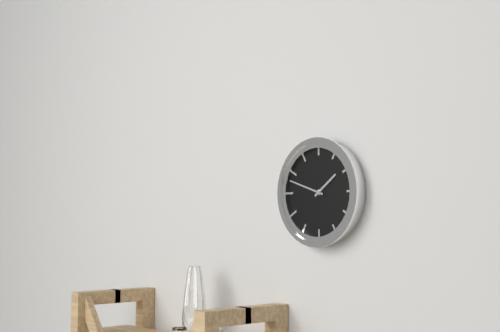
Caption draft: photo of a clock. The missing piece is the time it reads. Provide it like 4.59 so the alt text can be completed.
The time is 1.48
